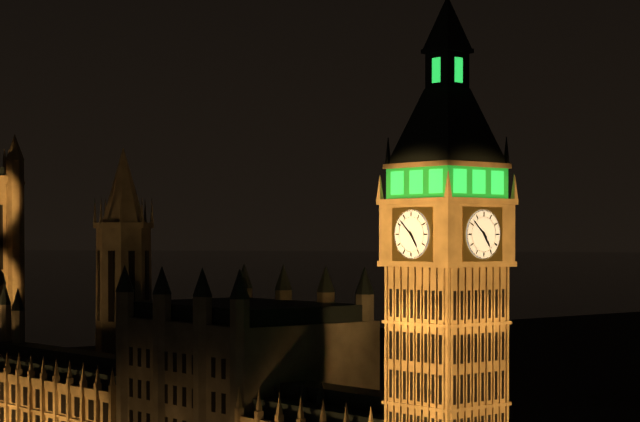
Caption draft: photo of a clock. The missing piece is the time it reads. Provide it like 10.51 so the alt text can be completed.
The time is 4.52
